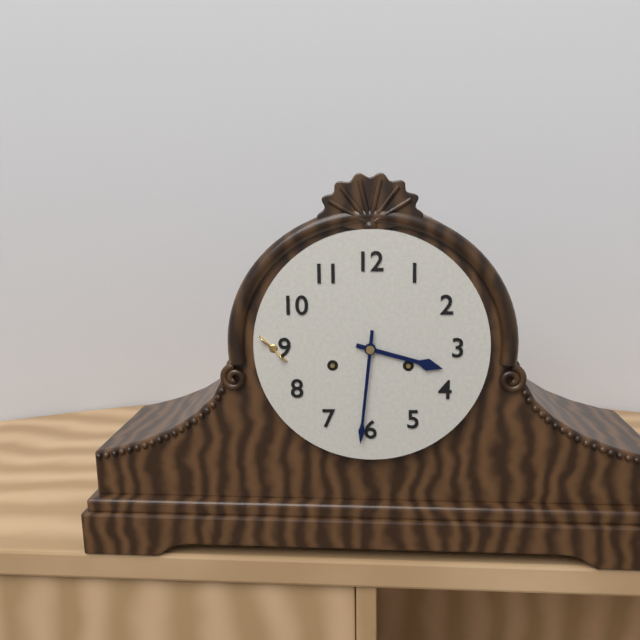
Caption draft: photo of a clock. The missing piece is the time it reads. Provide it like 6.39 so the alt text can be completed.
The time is 3.31
